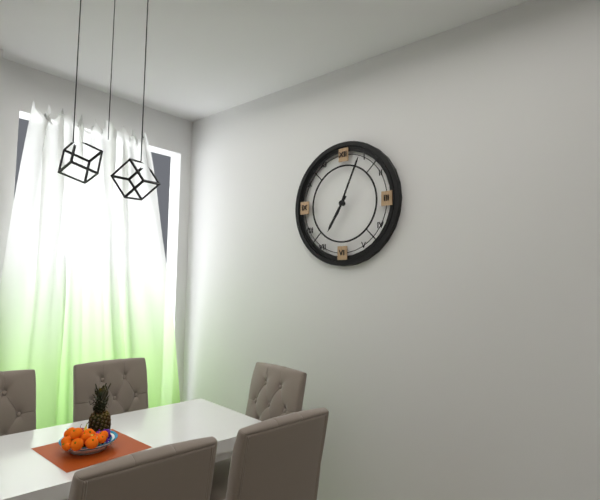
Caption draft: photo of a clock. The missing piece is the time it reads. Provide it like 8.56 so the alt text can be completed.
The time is 7.04
